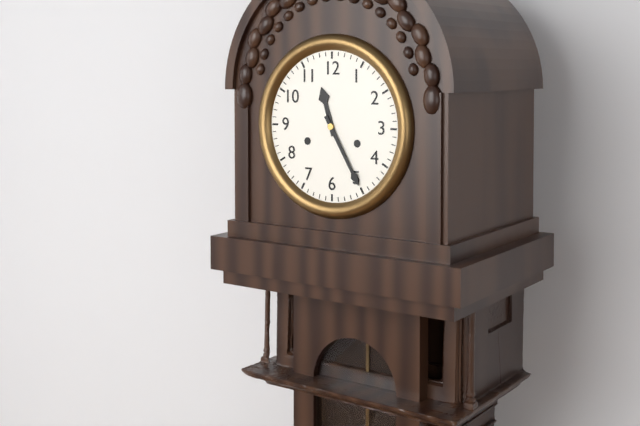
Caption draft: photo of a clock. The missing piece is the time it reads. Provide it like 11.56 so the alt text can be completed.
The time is 11.25
